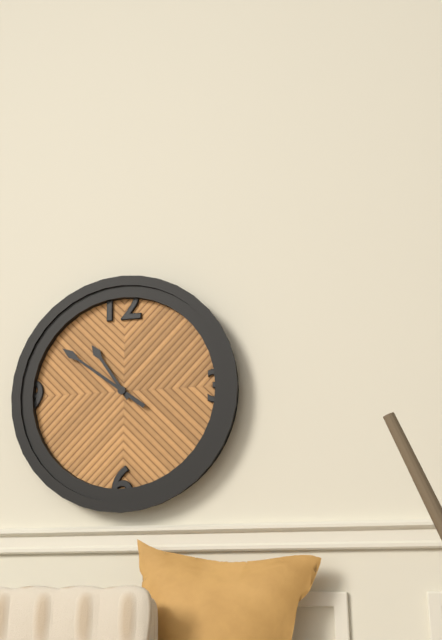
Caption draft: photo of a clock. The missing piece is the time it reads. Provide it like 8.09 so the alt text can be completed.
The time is 10.51
